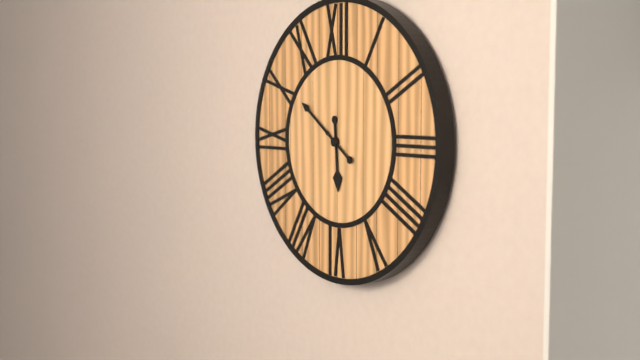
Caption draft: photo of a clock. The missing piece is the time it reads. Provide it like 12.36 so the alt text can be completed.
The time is 5.51
